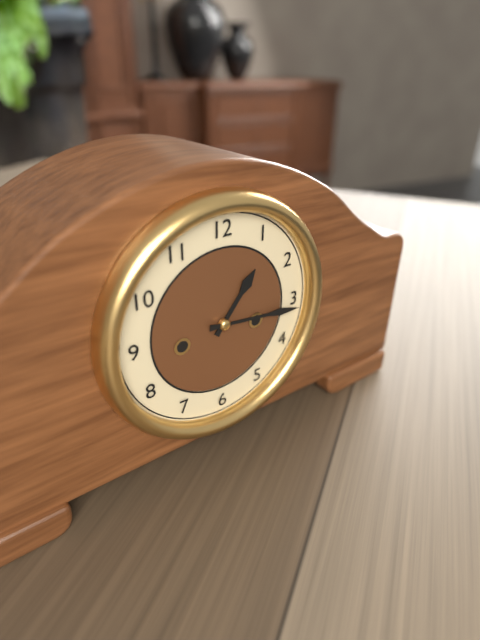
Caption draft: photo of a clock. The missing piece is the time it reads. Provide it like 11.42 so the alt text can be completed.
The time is 1.16
